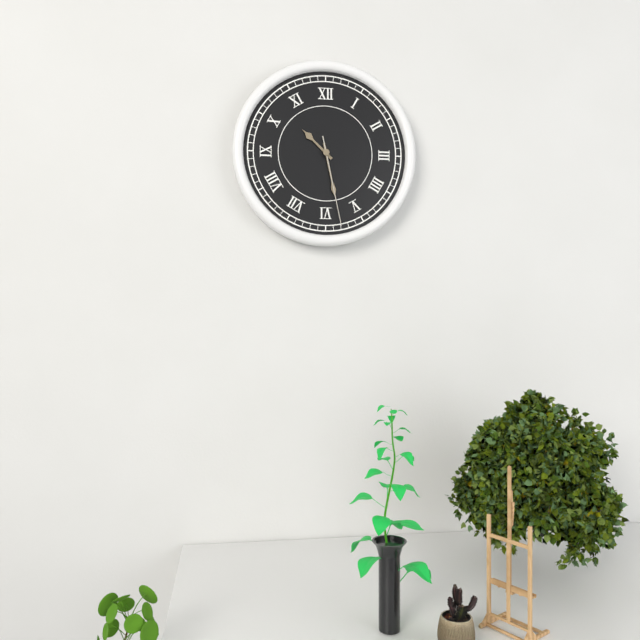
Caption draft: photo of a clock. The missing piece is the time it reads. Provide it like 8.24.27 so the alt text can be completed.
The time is 10.28.28
